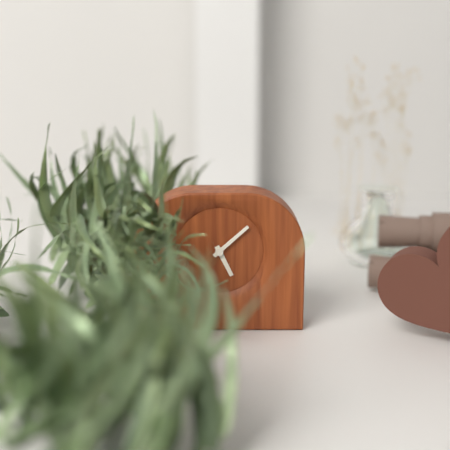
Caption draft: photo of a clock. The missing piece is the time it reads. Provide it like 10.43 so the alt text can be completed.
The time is 5.08
